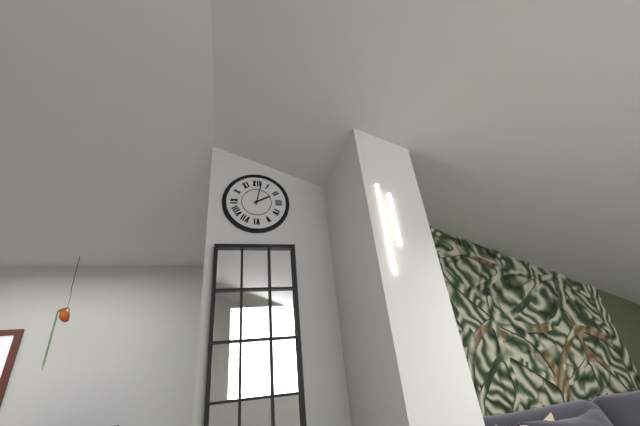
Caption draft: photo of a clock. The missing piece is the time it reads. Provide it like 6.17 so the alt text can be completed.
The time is 2.02
